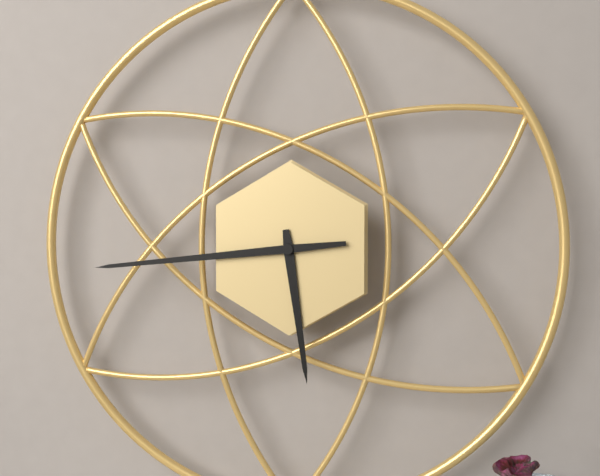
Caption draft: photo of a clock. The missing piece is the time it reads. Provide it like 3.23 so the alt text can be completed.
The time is 5.44
